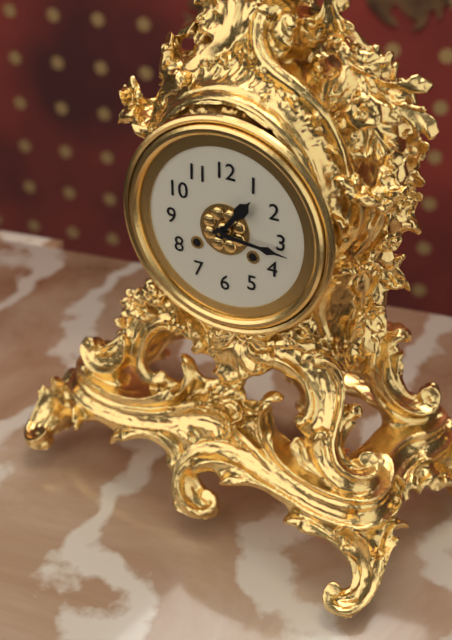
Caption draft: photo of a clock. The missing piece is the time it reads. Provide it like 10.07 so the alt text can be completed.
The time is 1.16
